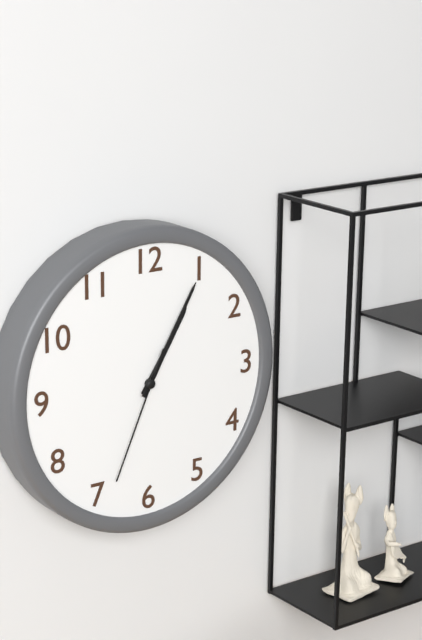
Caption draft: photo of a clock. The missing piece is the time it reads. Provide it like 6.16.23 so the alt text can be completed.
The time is 1.05.34
